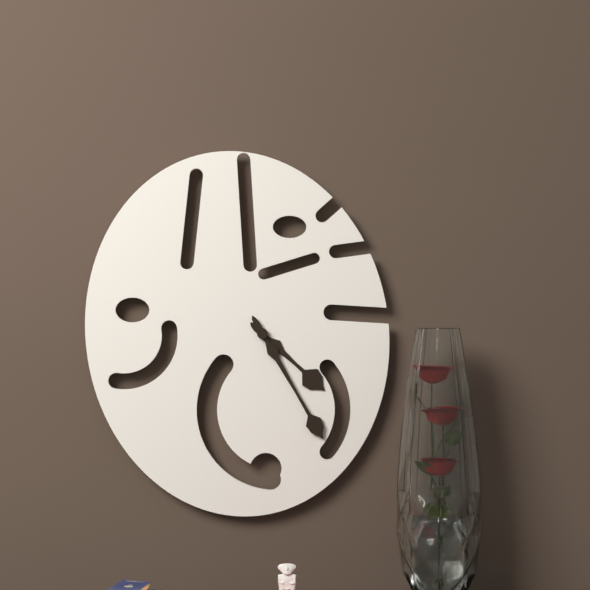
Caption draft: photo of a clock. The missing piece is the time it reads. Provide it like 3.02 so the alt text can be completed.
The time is 4.25
